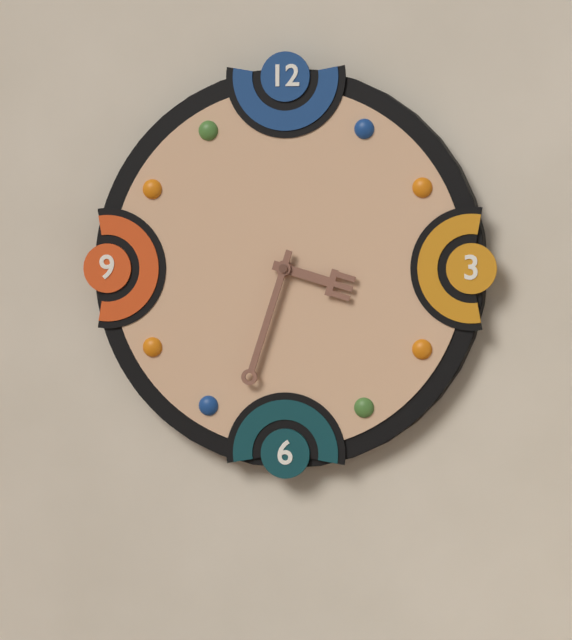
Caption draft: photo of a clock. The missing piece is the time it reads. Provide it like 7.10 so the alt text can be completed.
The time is 3.33
